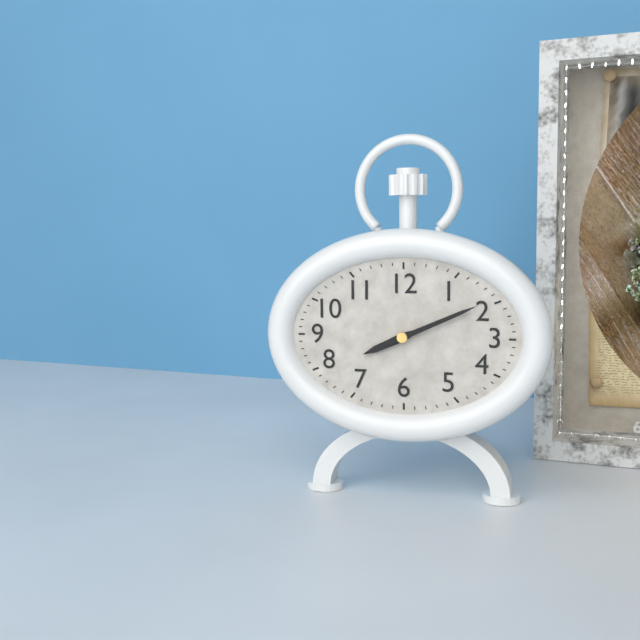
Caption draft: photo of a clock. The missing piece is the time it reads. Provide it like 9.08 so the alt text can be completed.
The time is 8.11
